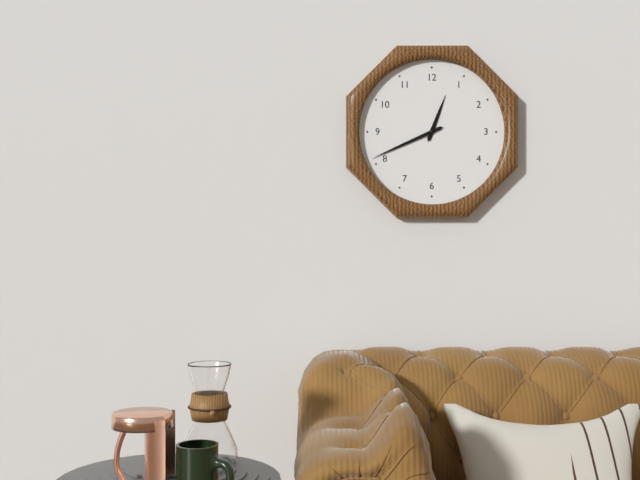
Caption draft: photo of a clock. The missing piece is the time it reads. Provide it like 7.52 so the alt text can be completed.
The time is 12.41
